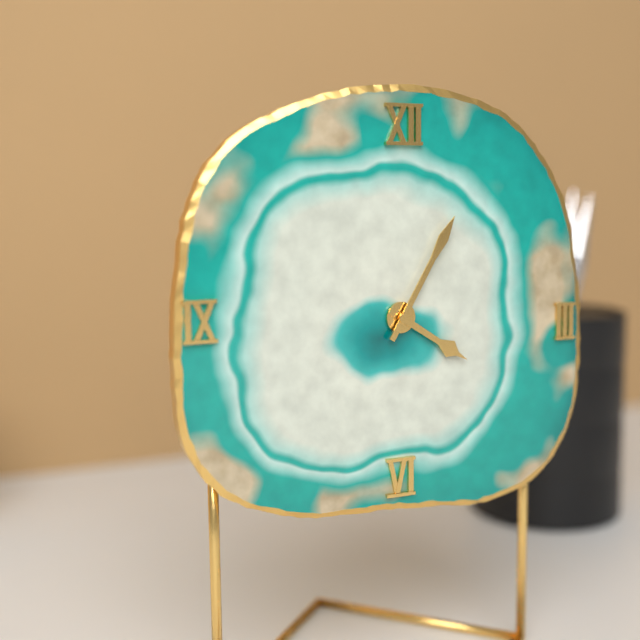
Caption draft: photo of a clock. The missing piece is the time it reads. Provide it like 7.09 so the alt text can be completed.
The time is 4.05
